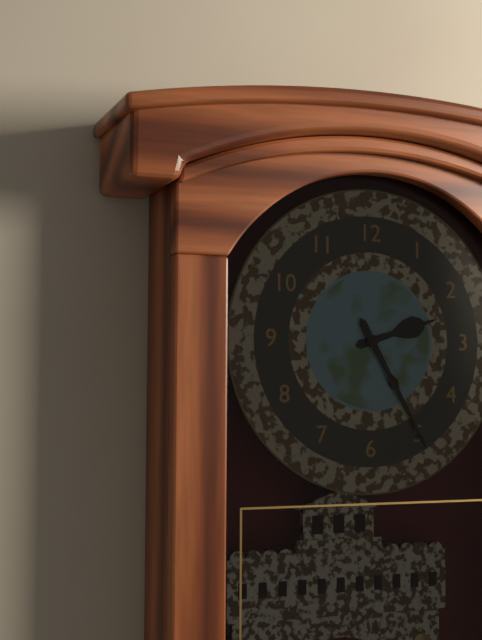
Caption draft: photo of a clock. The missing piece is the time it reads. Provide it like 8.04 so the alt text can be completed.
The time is 2.25
